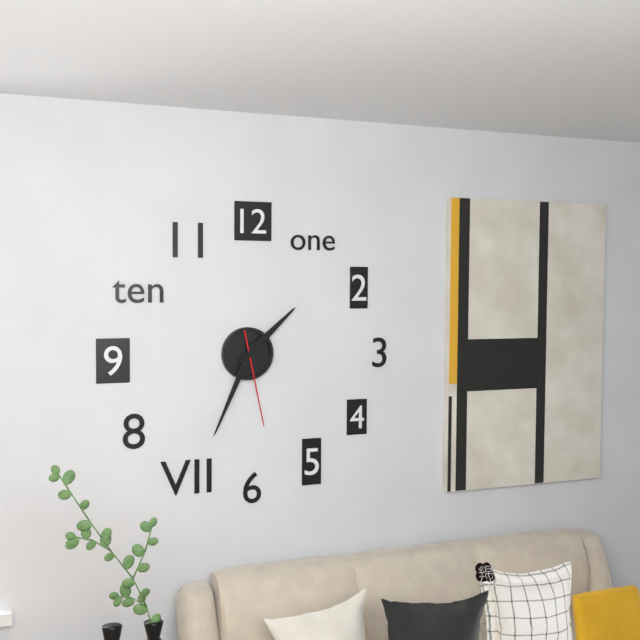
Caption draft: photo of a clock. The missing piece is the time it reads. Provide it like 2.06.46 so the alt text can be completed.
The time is 1.34.28
